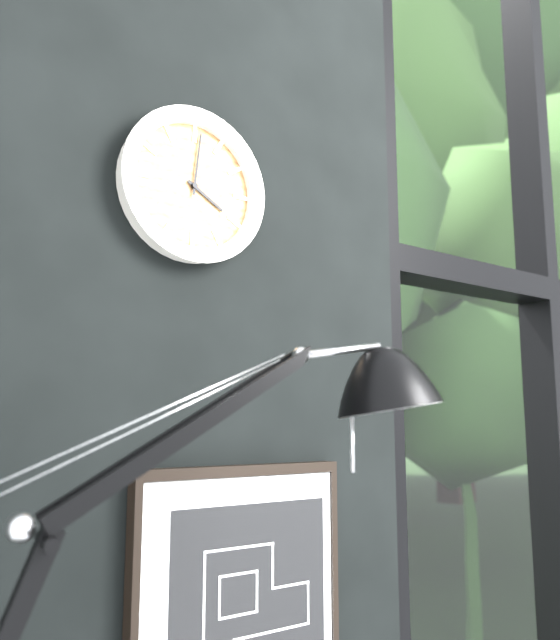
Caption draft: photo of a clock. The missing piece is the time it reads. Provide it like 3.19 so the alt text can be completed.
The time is 4.01
